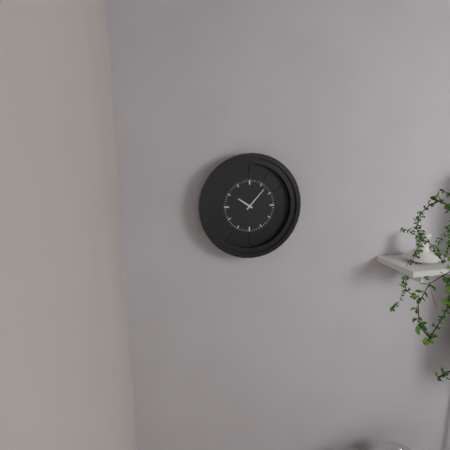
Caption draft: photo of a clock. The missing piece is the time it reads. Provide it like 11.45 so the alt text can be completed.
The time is 10.07
